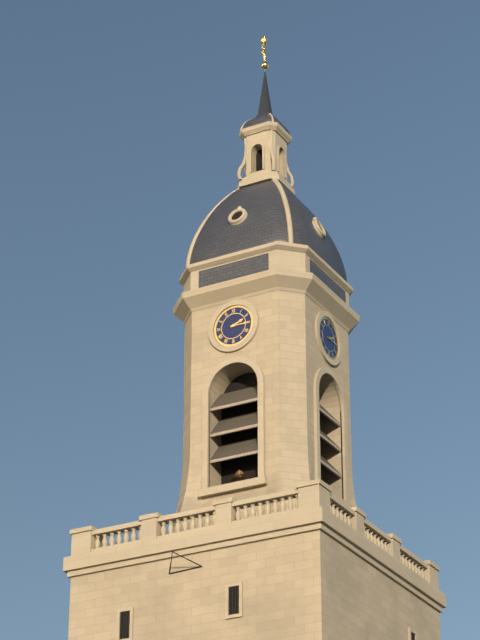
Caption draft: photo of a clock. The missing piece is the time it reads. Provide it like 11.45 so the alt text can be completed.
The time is 2.15
